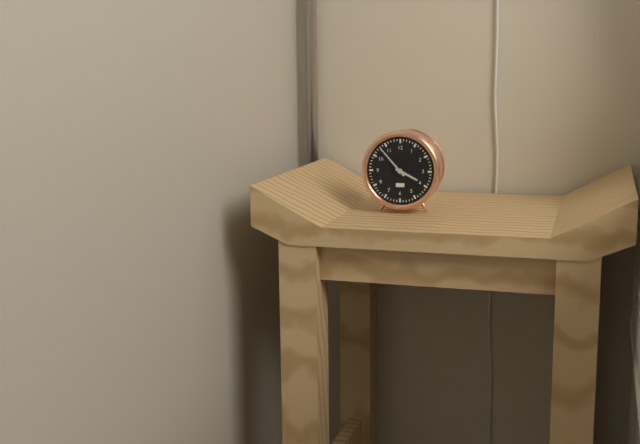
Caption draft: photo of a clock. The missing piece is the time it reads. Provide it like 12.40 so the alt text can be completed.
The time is 3.53
